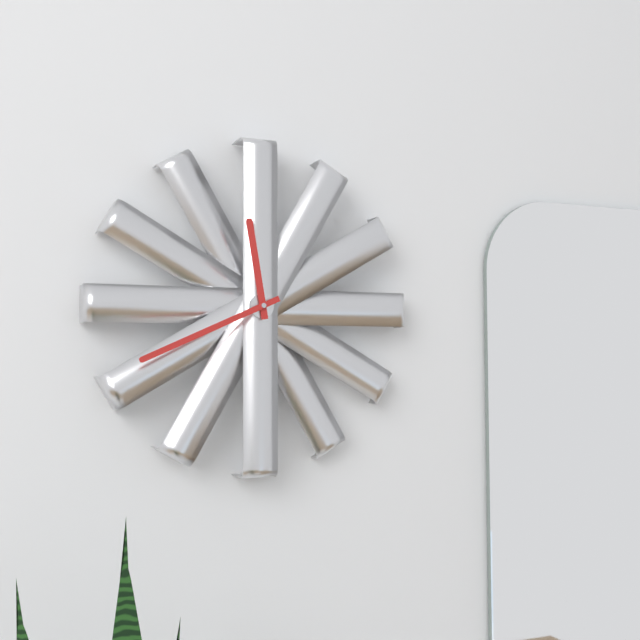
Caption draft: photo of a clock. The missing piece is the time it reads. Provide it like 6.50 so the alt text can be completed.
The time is 11.41
